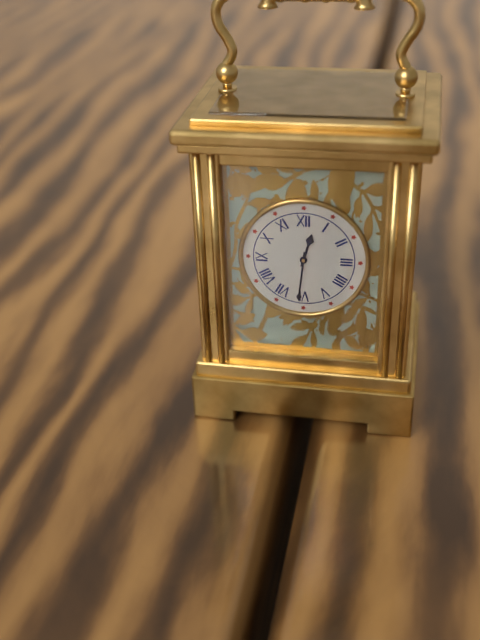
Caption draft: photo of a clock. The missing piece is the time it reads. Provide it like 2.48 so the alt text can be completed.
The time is 12.31
